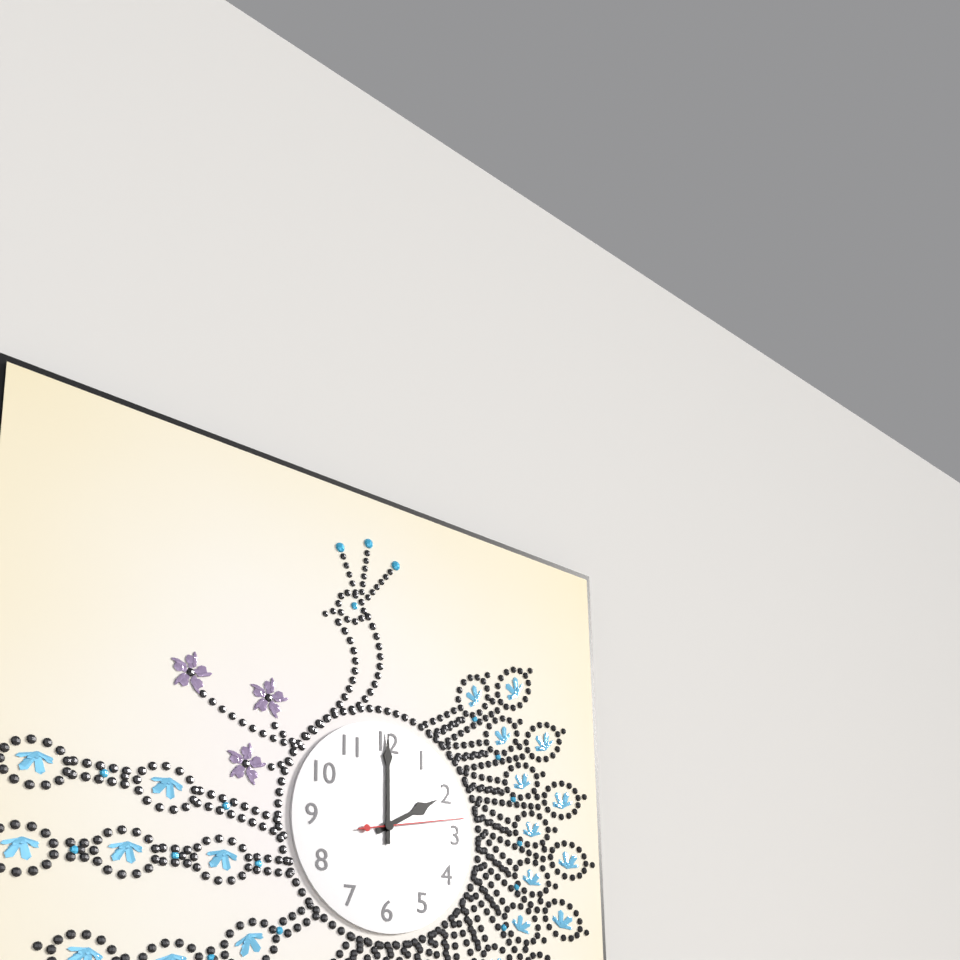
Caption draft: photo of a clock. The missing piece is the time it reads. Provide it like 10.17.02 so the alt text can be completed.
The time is 2.00.13
